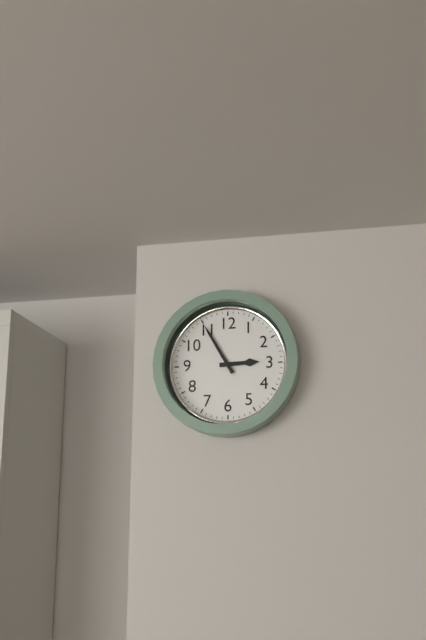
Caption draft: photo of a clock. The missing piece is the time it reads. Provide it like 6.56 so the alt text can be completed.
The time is 2.55
